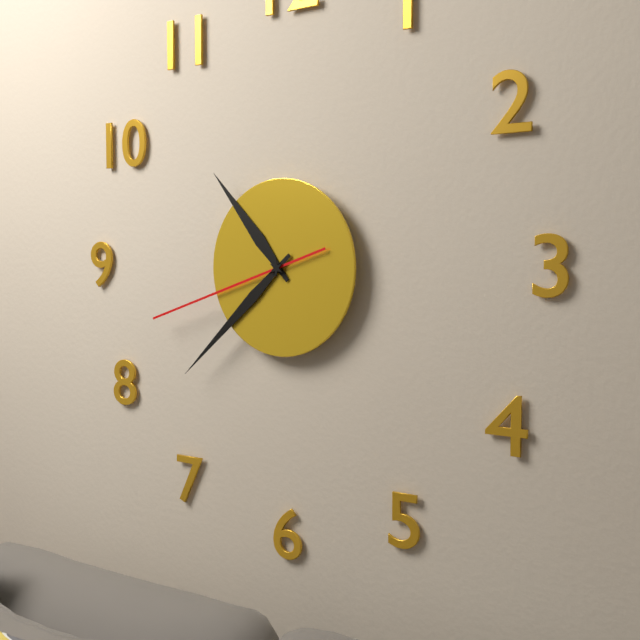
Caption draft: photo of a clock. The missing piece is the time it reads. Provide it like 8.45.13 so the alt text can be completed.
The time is 10.38.42
